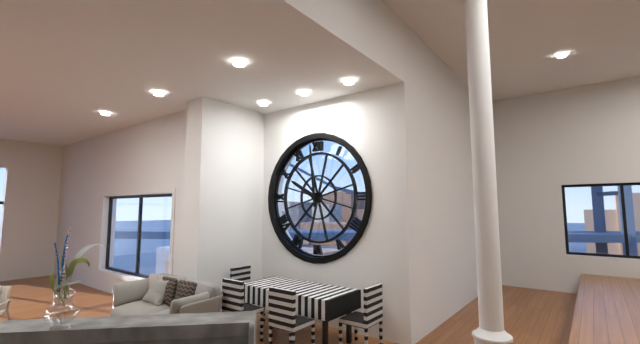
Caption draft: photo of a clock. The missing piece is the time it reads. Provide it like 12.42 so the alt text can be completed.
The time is 9.59
